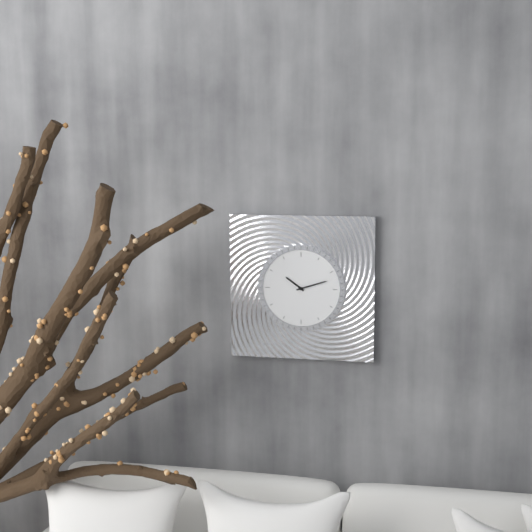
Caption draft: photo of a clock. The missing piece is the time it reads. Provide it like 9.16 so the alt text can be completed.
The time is 10.12
